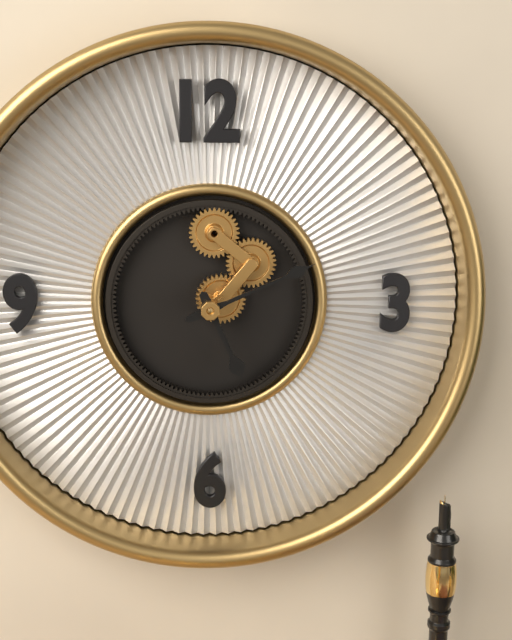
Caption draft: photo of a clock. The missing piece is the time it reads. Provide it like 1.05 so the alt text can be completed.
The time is 5.11
